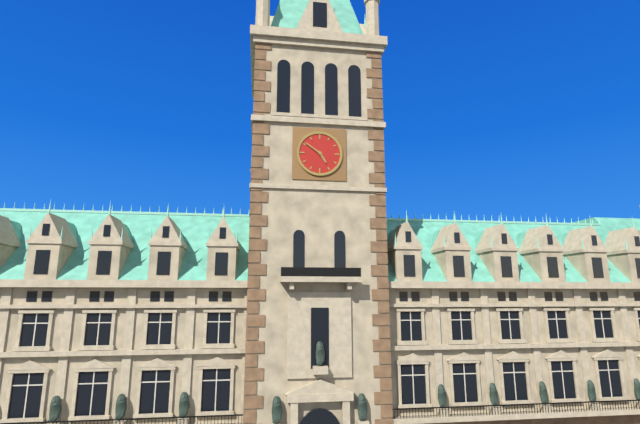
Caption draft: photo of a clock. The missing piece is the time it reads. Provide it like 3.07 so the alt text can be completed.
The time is 4.51
